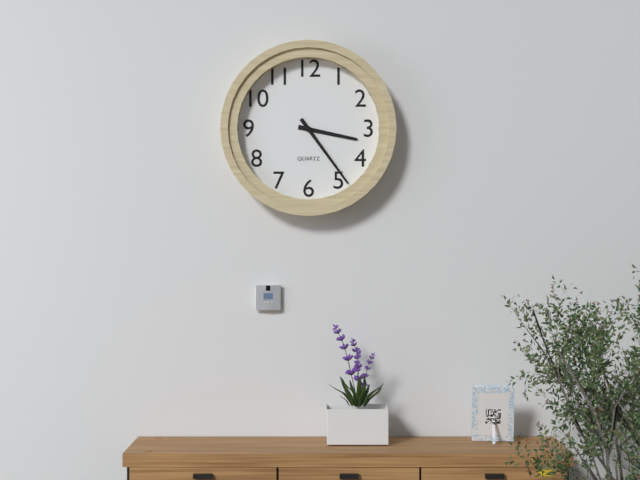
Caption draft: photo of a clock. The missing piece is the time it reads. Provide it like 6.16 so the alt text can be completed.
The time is 3.24
